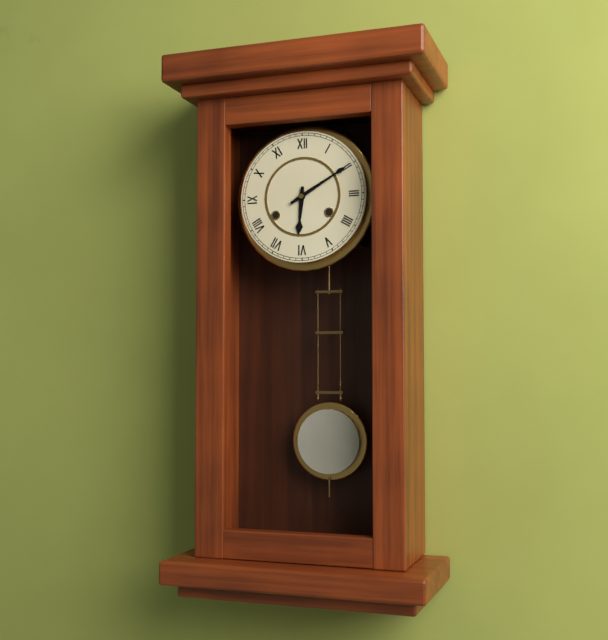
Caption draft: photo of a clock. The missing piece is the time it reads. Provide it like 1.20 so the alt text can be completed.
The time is 6.10
